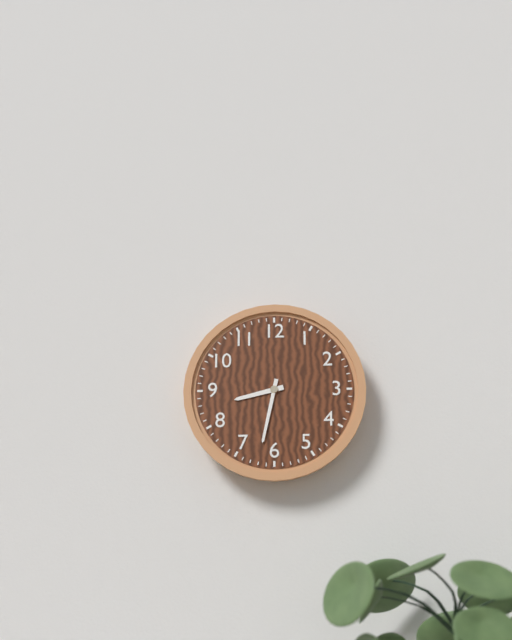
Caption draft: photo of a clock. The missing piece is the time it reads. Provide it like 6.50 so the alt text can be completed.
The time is 8.32
